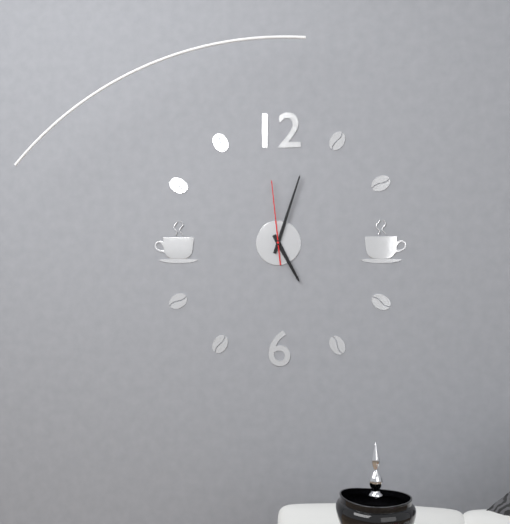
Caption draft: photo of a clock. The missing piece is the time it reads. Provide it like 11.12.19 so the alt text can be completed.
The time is 5.03.59
